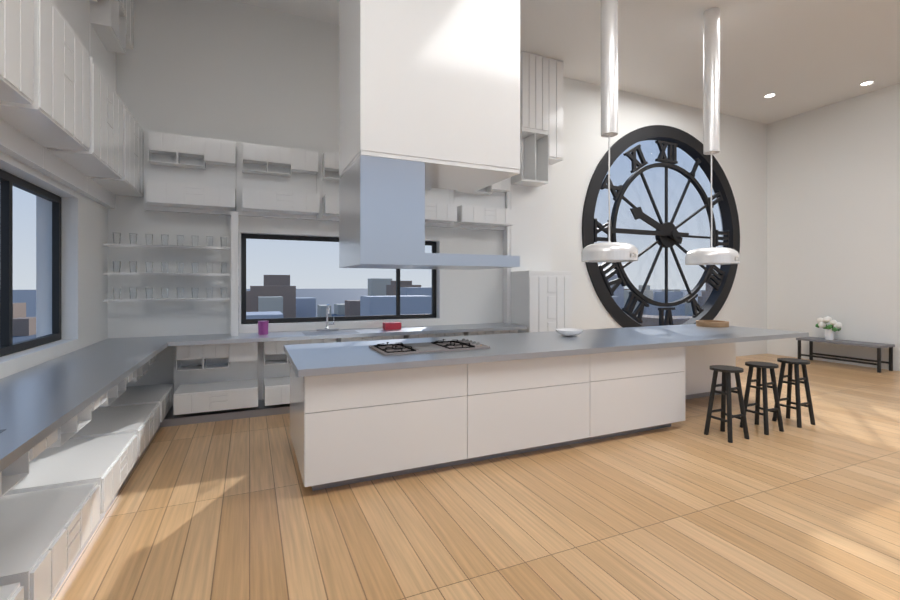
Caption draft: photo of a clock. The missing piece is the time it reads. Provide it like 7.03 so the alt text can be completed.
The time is 9.45
